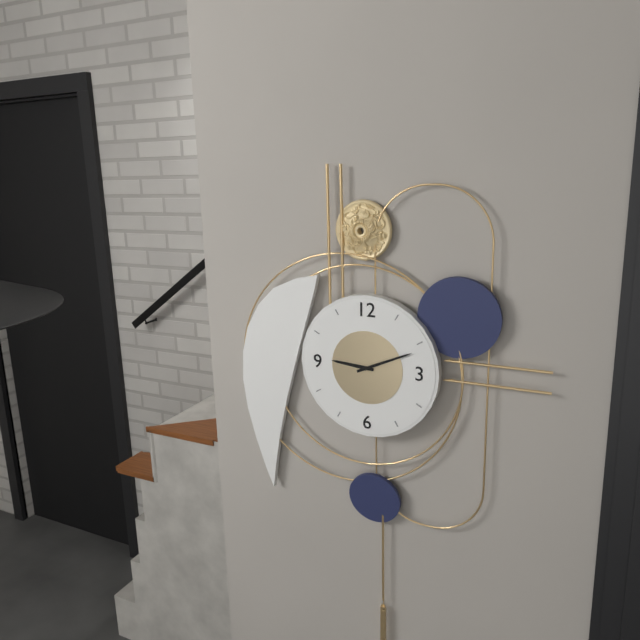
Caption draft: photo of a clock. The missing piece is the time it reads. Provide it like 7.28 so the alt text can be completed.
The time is 9.11
